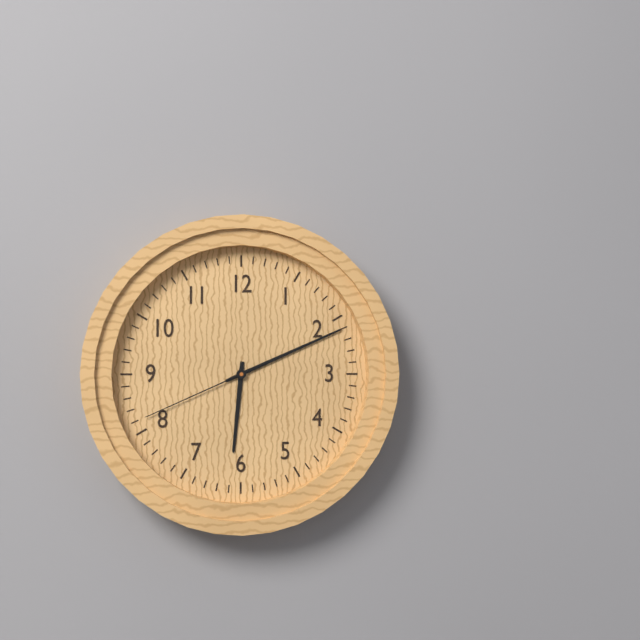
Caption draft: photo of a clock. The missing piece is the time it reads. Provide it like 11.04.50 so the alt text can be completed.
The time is 6.11.41
